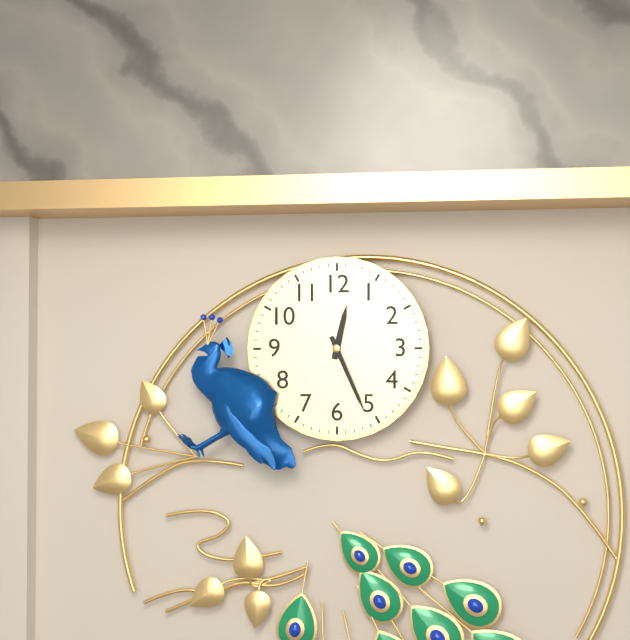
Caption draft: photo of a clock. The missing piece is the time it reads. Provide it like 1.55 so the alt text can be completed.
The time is 12.26
